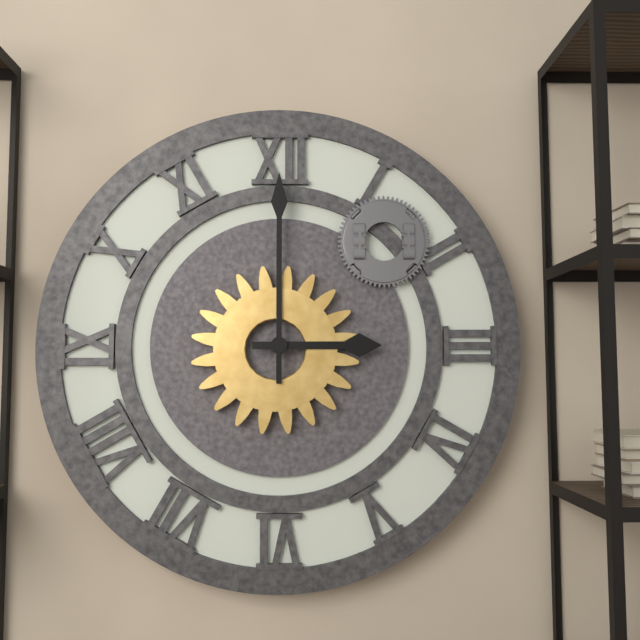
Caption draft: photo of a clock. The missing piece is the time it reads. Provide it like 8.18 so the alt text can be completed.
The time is 3.00
